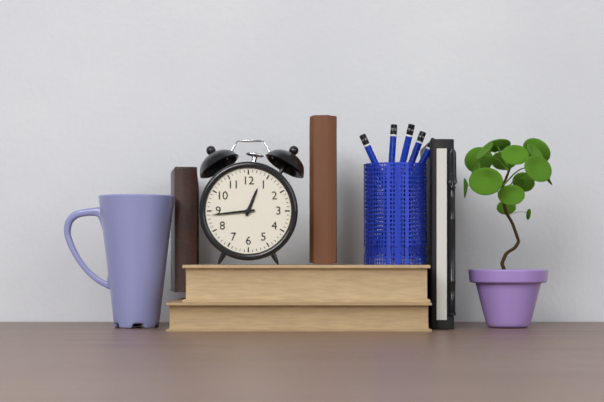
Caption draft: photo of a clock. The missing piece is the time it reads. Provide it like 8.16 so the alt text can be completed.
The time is 12.44
